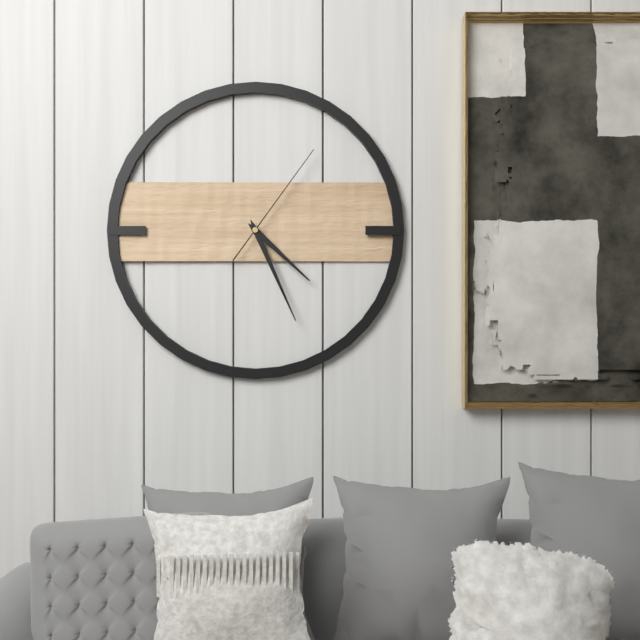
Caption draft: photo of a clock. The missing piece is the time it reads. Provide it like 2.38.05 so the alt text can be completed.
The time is 4.26.06
